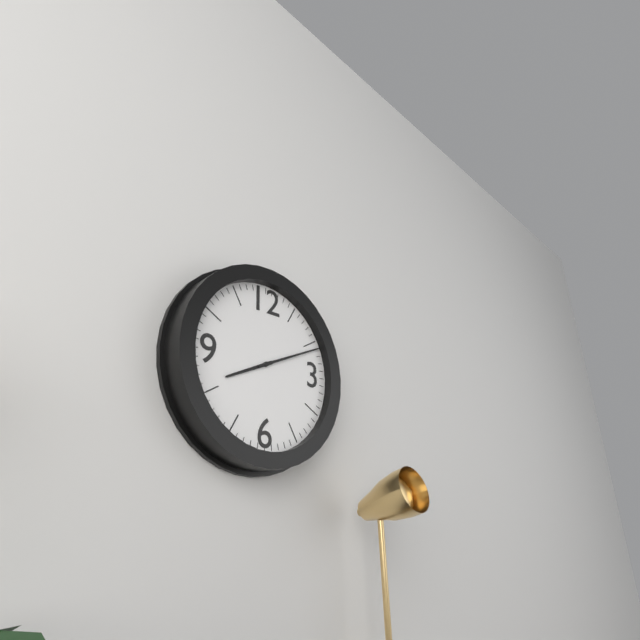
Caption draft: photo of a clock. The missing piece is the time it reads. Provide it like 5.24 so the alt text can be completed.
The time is 8.11
